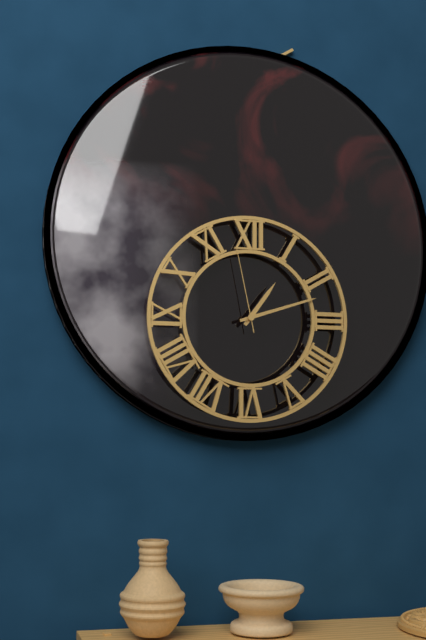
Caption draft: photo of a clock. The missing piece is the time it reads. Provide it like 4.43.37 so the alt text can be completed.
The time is 1.12.58
